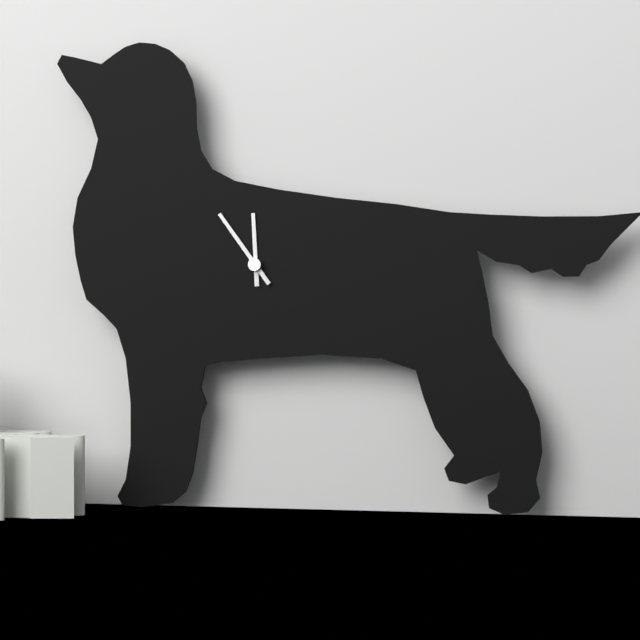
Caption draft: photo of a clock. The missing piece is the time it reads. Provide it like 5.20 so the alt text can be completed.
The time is 11.54
